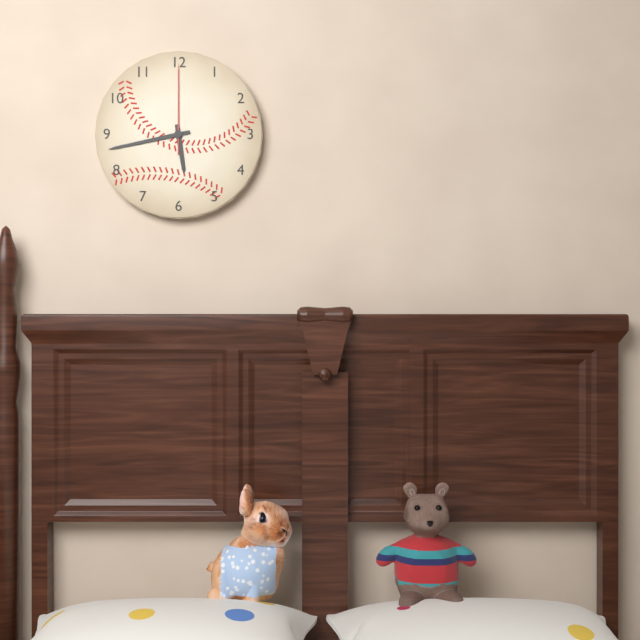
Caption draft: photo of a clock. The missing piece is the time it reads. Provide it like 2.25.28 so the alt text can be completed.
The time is 5.43.00
